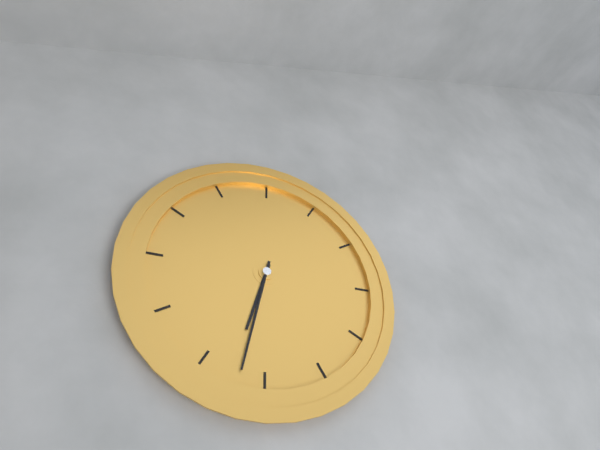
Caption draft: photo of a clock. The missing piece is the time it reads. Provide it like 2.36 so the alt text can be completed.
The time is 6.32
